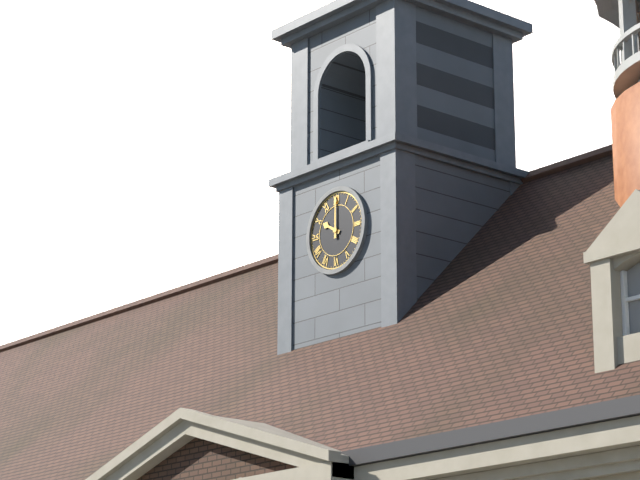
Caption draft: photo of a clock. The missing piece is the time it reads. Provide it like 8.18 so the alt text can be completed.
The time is 10.00
